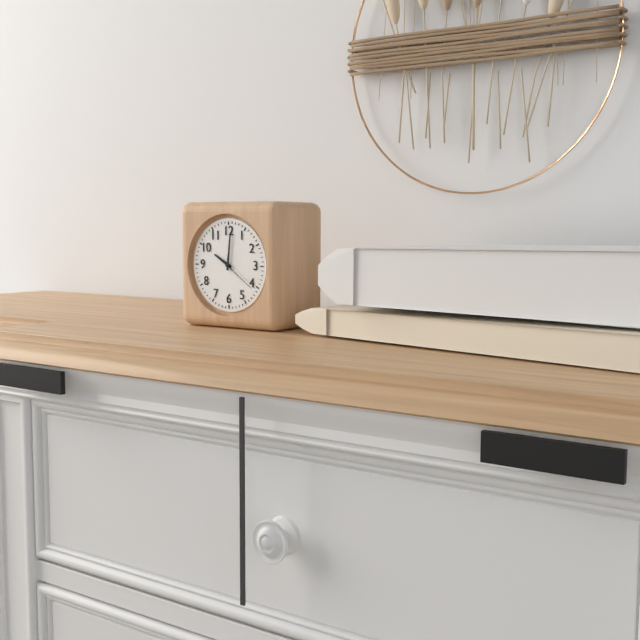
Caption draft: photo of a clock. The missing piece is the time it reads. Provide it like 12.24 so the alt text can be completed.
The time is 10.01
